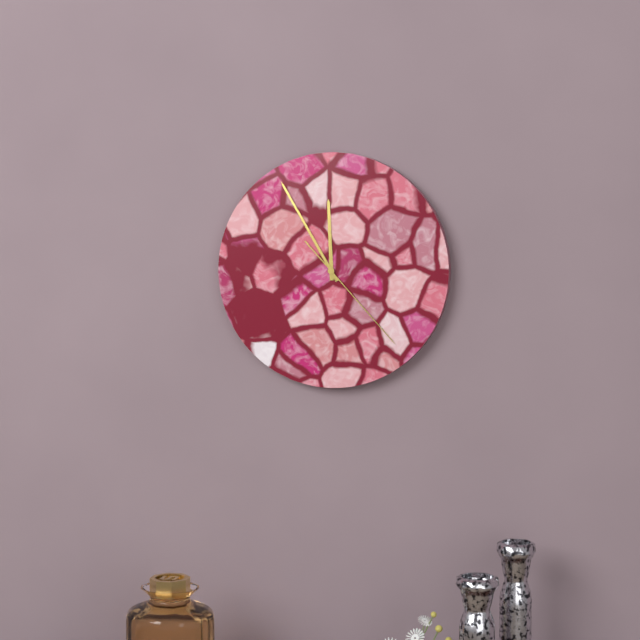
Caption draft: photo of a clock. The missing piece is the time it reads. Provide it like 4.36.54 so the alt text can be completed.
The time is 11.55.23
